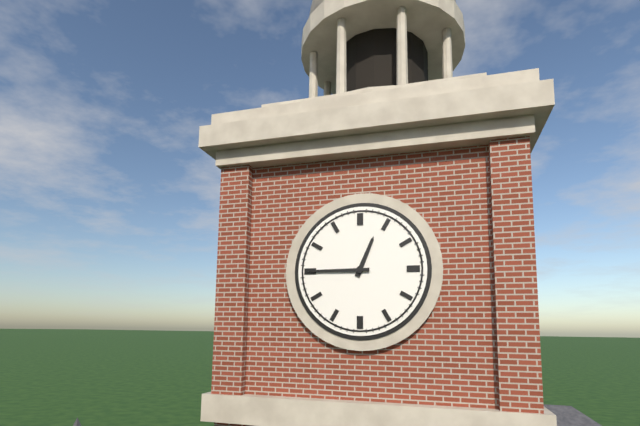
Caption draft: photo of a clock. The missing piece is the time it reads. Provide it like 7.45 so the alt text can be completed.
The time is 12.45
